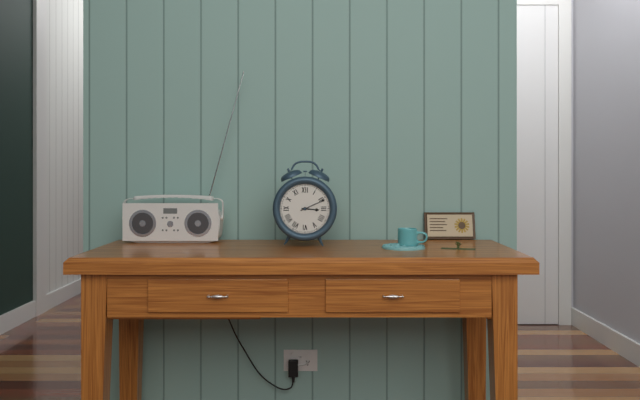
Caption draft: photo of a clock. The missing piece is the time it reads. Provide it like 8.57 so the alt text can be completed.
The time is 3.11
